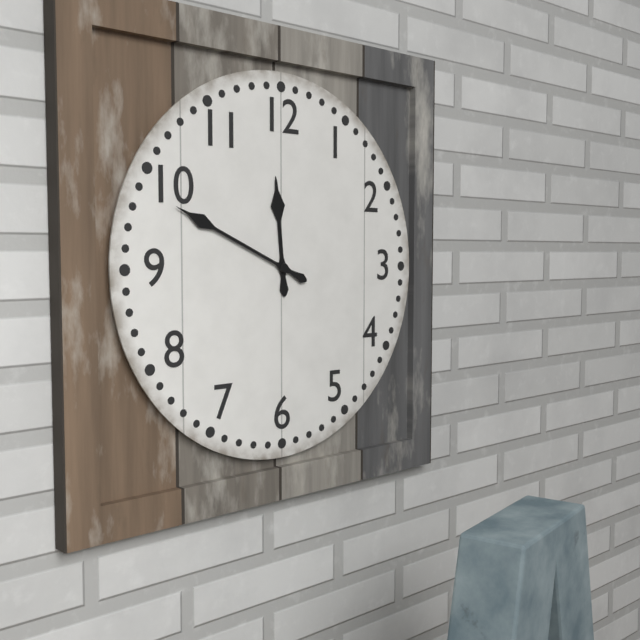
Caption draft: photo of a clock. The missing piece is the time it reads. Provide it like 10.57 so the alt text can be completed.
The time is 11.49
